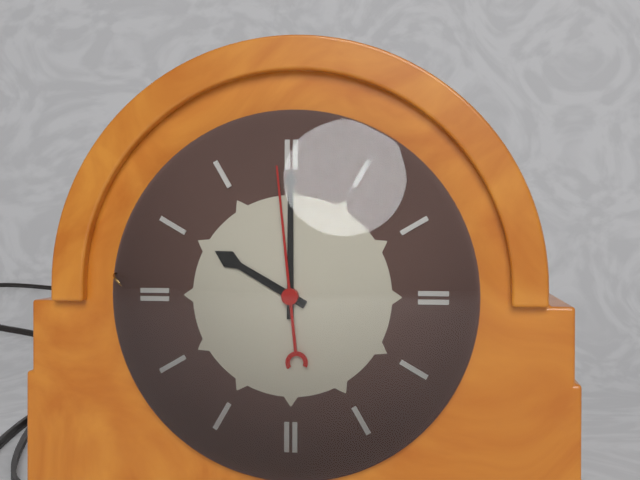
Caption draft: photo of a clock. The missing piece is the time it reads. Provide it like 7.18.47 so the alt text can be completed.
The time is 10.00.59
